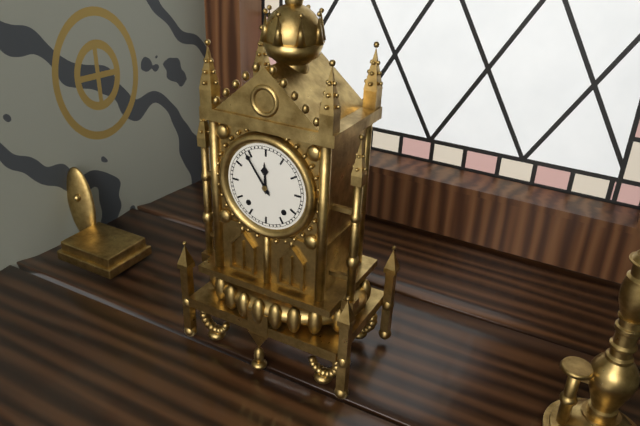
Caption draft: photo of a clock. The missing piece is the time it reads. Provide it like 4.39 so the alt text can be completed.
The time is 11.54
